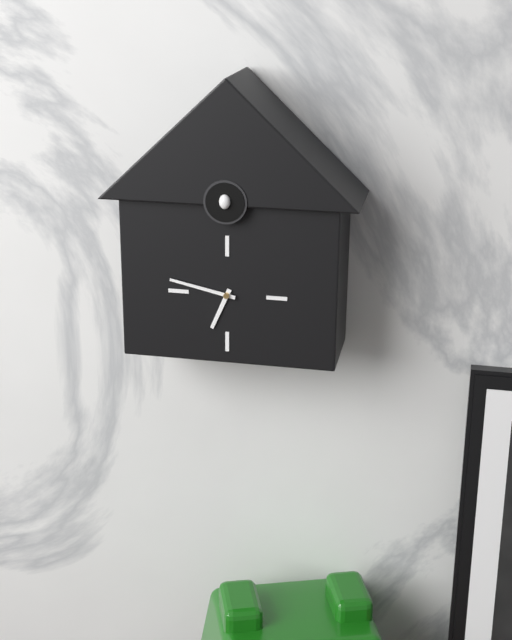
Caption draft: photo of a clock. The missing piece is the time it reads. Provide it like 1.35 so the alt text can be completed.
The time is 6.47
